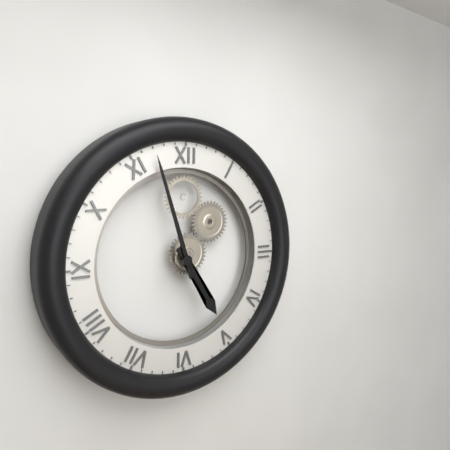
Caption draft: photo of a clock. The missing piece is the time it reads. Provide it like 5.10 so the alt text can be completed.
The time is 4.57
